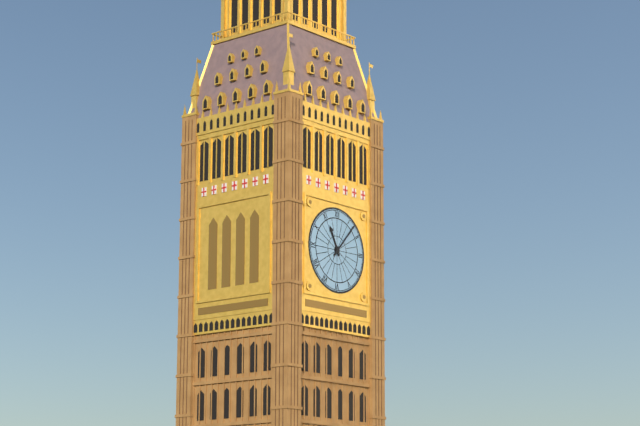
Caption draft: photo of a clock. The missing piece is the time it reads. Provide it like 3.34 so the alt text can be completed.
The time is 11.07
